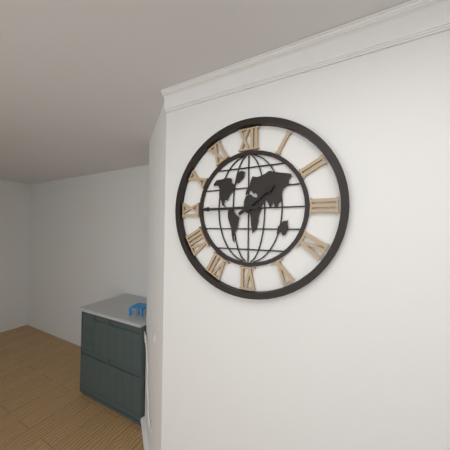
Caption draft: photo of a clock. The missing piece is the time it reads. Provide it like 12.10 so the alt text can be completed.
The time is 1.45
